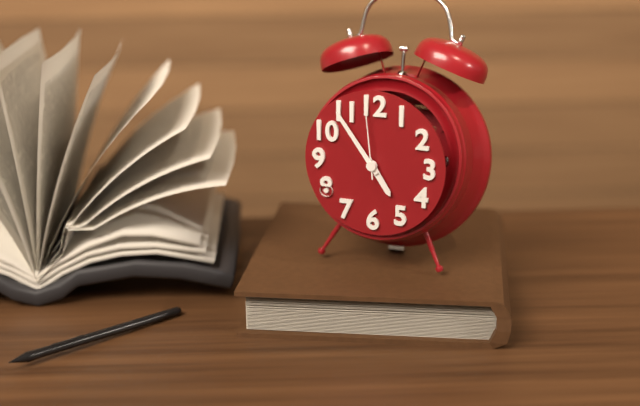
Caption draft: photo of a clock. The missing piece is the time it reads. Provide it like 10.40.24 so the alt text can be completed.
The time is 4.54.59
